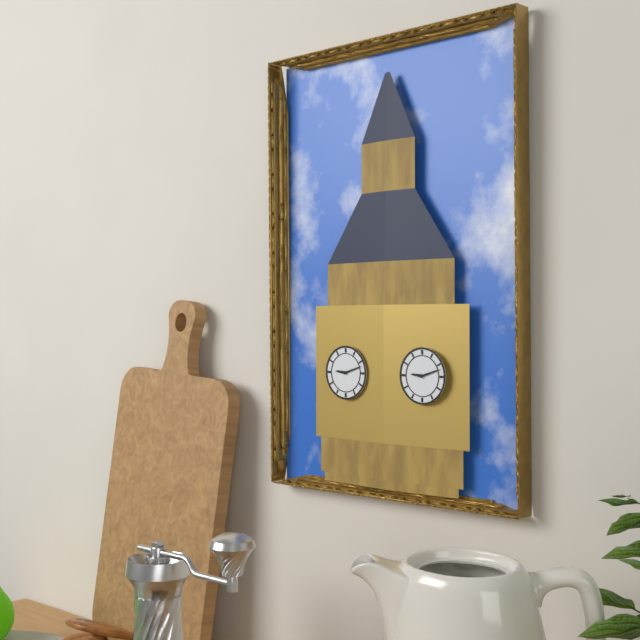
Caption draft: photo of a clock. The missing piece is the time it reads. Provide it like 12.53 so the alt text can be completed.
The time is 9.12
